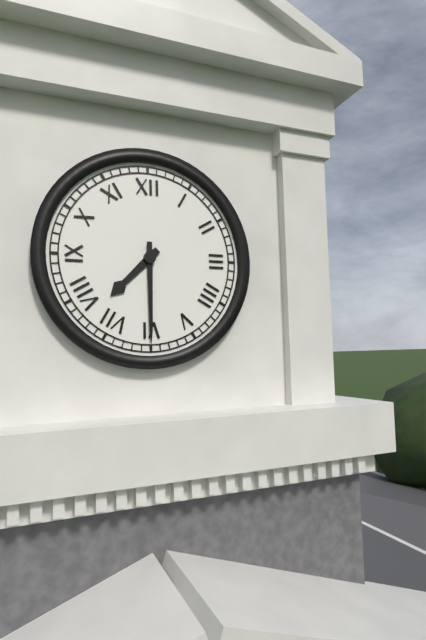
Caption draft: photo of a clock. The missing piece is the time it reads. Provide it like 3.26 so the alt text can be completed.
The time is 7.30
